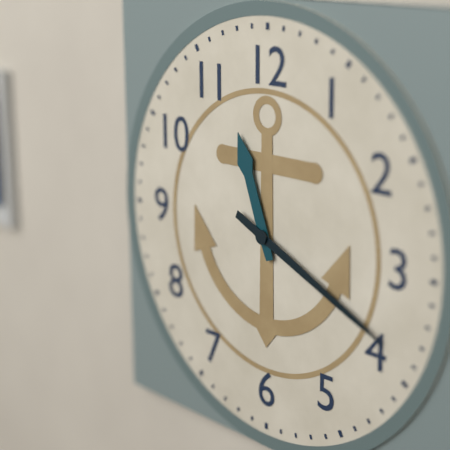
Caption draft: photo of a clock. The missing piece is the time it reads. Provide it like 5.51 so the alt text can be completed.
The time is 11.19
